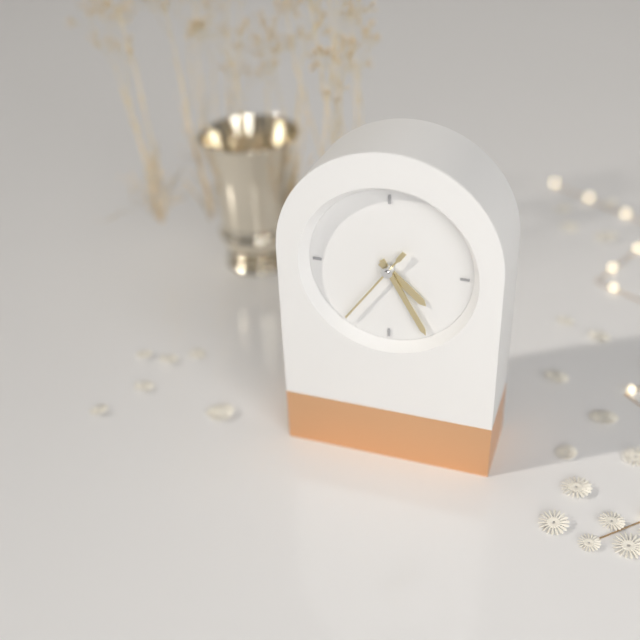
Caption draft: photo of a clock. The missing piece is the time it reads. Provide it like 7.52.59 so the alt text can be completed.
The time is 4.25.36
